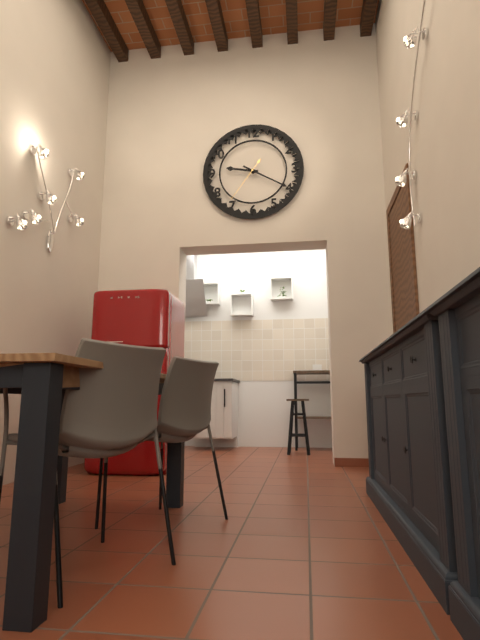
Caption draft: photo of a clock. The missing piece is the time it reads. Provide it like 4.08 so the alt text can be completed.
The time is 9.20
